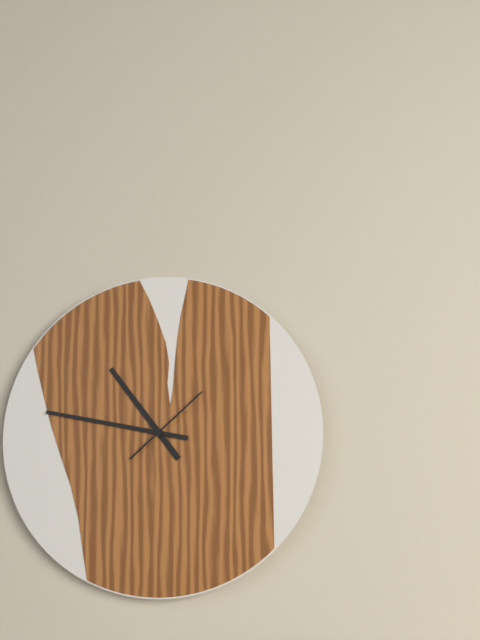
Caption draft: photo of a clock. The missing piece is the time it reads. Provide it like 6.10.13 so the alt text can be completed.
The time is 10.47.08
